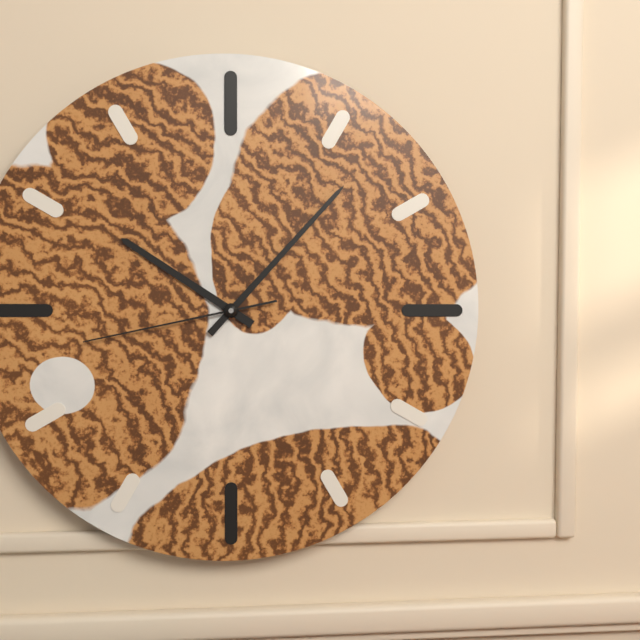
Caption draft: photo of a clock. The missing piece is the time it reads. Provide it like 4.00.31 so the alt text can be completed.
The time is 10.07.43
